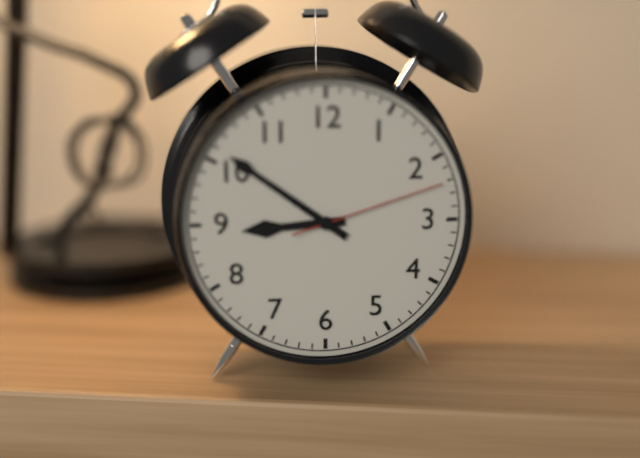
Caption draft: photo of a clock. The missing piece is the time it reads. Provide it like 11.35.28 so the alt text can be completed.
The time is 8.51.12
